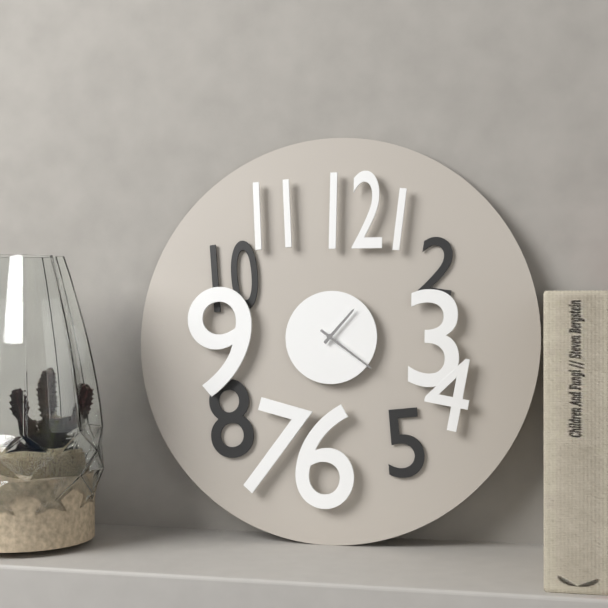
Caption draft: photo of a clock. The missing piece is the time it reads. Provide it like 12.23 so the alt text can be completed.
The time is 1.21
